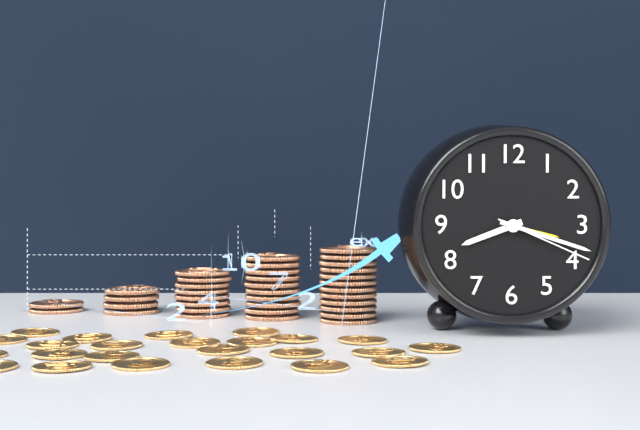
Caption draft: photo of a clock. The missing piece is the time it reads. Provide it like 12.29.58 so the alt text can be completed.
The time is 8.18.19
